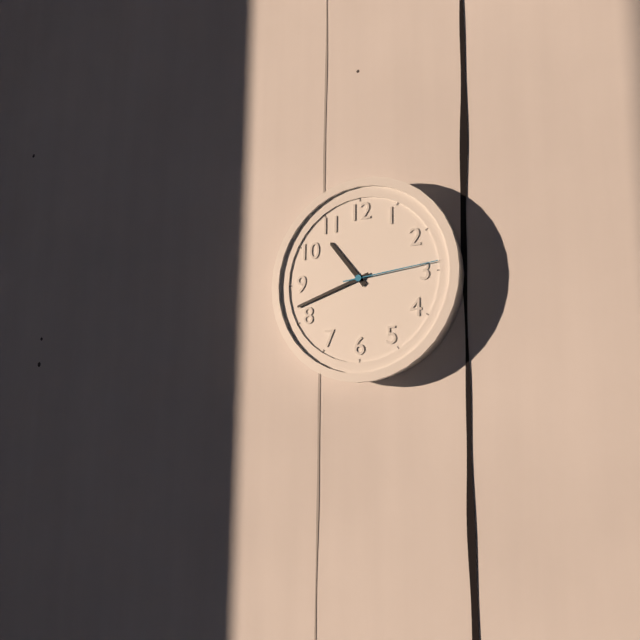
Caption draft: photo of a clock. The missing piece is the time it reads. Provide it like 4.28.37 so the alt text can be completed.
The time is 10.42.14
